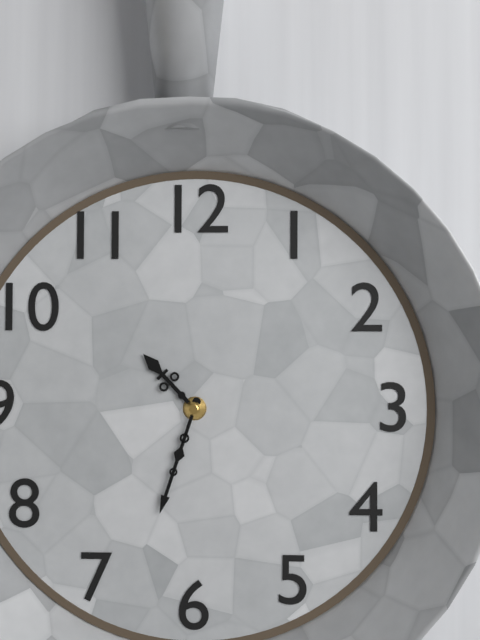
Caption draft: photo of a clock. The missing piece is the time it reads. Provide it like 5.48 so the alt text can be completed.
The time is 10.33
